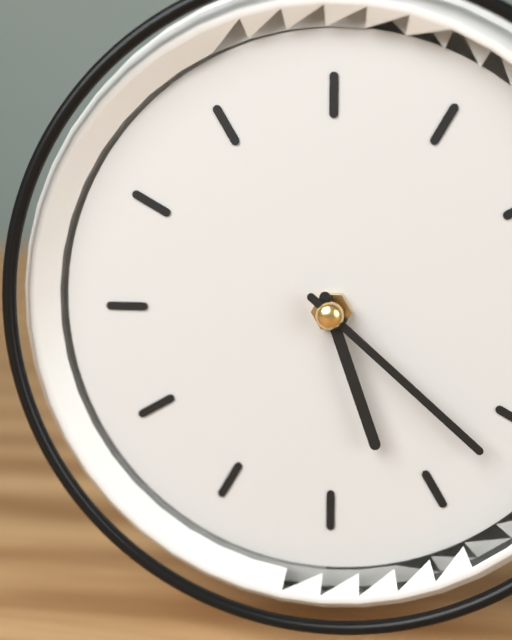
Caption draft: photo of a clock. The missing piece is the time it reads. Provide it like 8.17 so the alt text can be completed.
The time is 5.22
